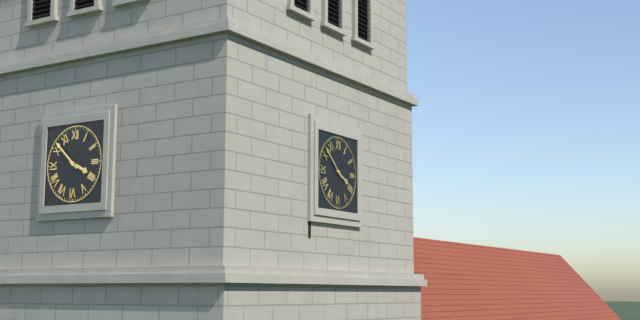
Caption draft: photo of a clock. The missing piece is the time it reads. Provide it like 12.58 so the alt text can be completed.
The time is 3.52
